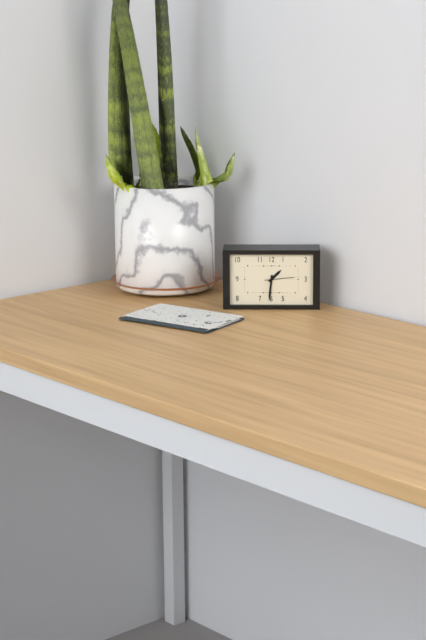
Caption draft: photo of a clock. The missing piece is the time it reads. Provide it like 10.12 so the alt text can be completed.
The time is 1.31
